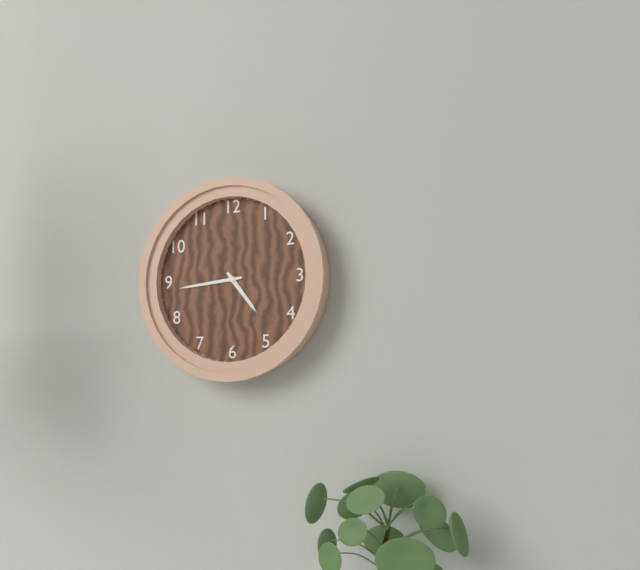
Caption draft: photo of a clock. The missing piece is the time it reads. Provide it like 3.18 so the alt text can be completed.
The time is 4.44
